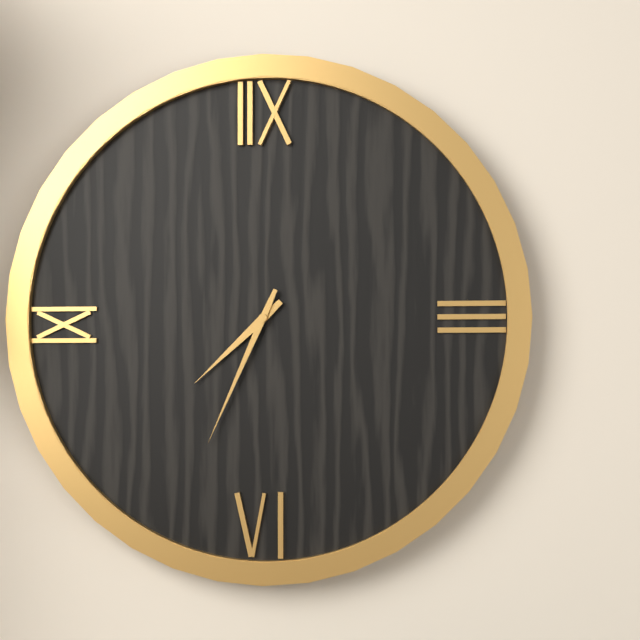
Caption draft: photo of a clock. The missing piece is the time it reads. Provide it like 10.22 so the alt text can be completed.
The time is 7.34
